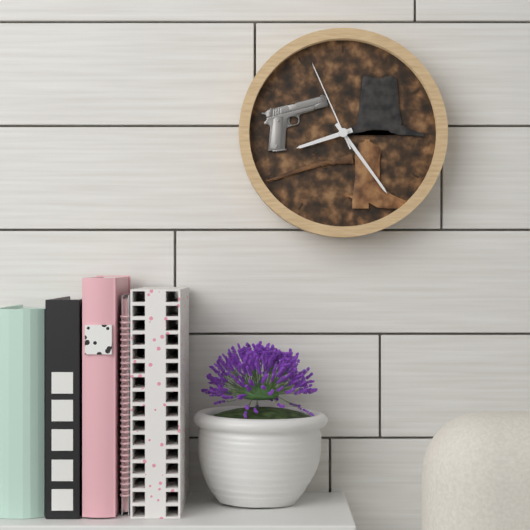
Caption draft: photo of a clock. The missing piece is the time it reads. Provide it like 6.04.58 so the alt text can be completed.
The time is 8.24.56
